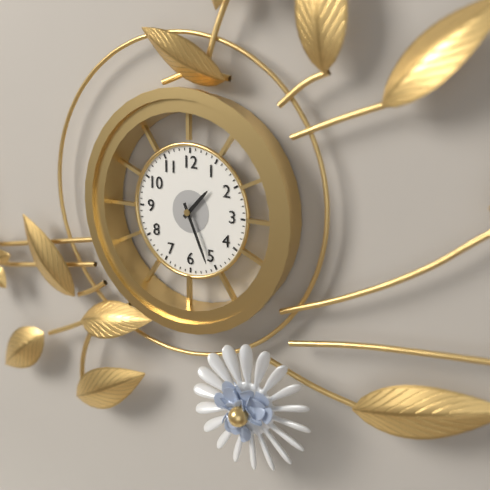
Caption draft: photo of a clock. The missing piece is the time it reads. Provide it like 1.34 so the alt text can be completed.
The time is 1.26
